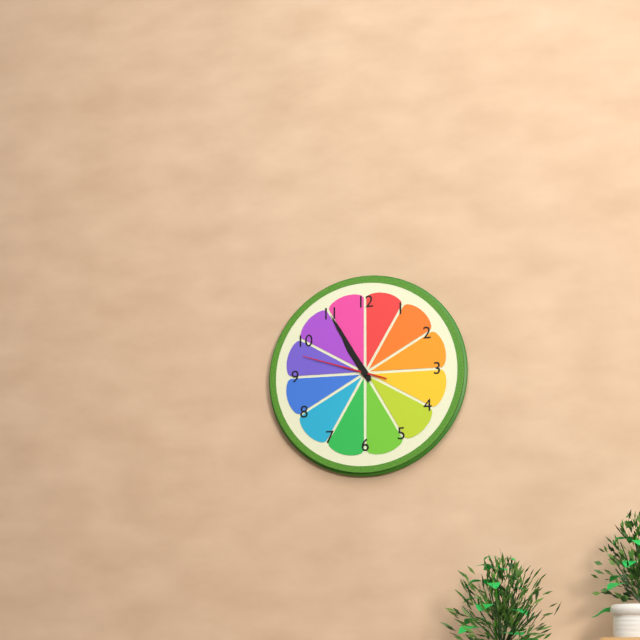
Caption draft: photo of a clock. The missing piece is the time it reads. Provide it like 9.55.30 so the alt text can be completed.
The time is 10.55.48
